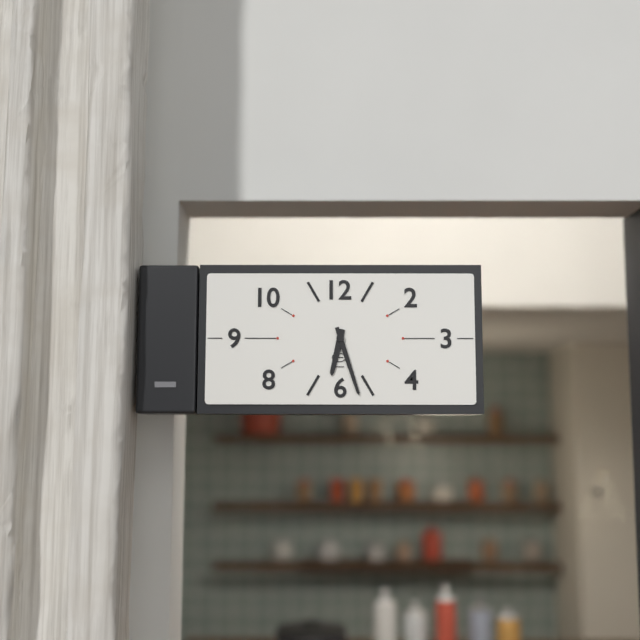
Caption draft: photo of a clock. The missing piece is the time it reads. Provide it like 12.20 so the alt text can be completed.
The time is 6.27
